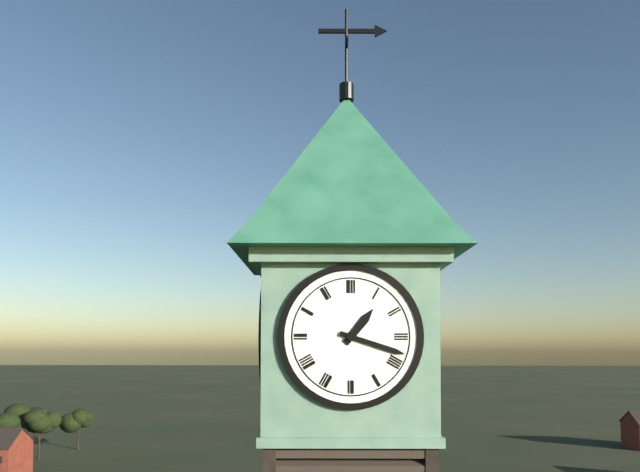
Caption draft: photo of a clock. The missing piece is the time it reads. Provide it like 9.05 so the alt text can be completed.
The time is 1.18
